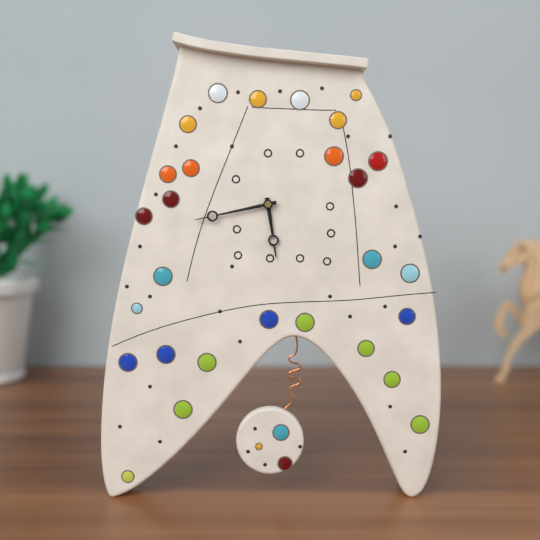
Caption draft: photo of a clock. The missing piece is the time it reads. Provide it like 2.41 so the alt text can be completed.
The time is 5.43
